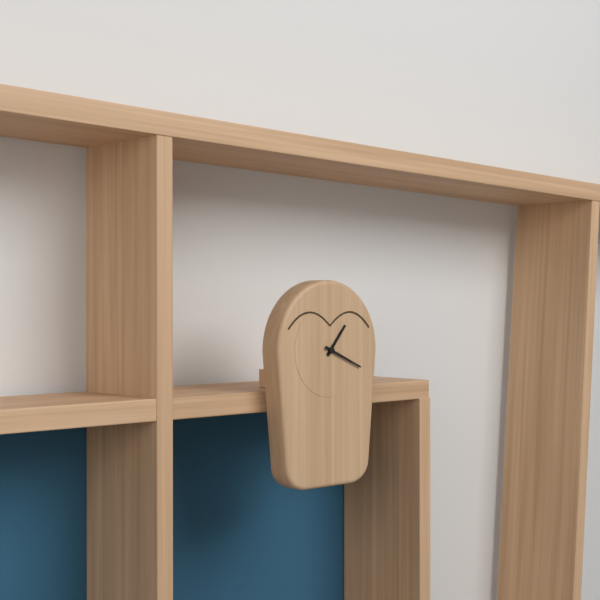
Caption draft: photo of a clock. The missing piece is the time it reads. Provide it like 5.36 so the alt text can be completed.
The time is 1.19
